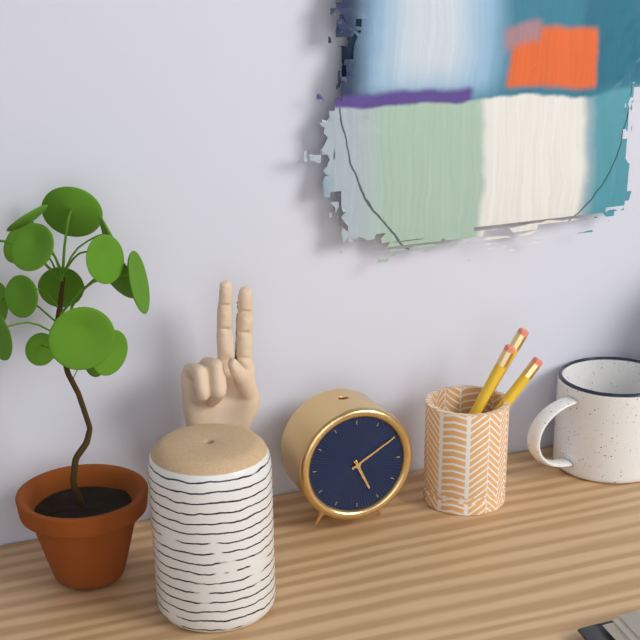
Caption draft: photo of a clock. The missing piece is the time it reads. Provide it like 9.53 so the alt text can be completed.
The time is 5.10
